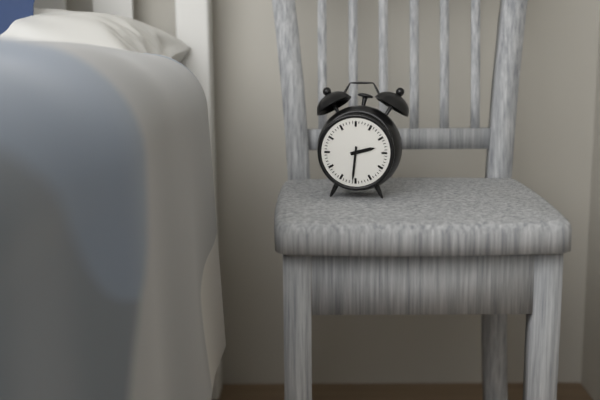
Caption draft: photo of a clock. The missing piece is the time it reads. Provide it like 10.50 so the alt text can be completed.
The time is 2.31
